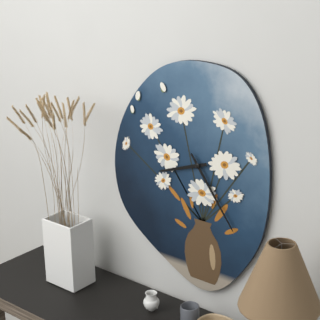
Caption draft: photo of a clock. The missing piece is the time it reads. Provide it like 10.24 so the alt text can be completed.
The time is 8.24
